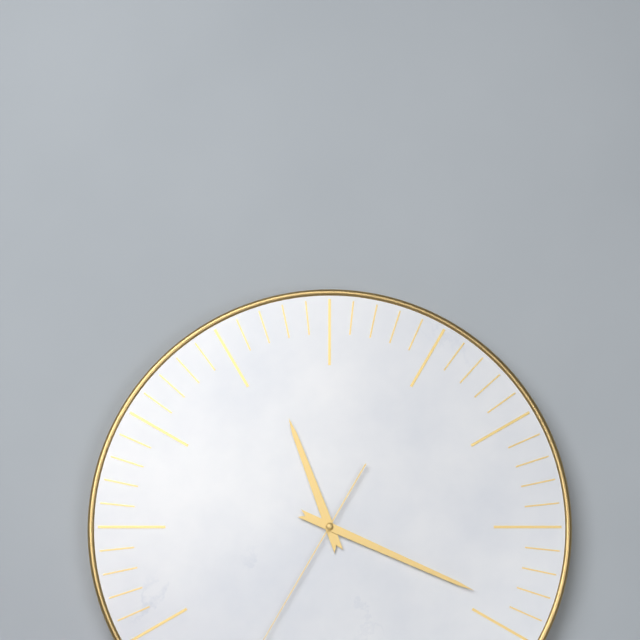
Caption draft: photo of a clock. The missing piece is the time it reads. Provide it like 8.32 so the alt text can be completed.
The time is 11.19
